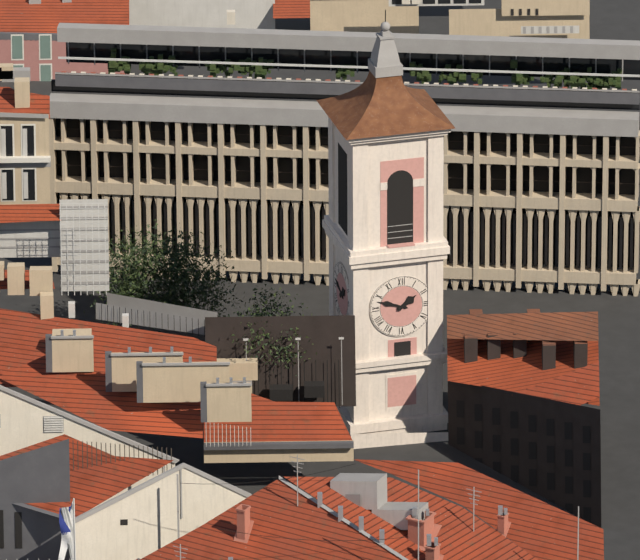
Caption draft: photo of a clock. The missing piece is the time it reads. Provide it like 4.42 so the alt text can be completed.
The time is 1.48
